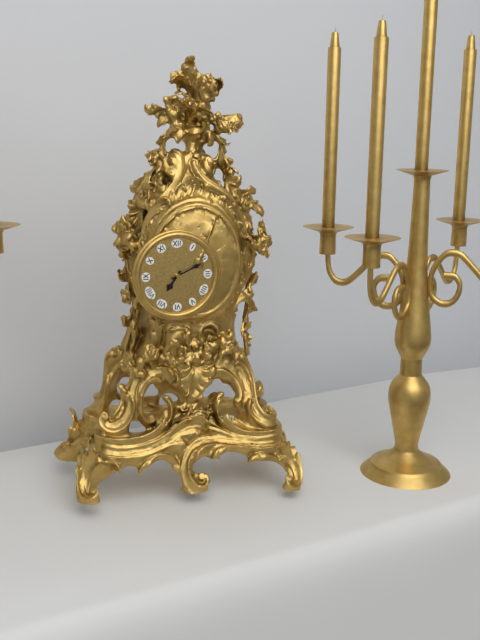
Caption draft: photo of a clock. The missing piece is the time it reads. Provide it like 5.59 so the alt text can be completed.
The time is 7.11
